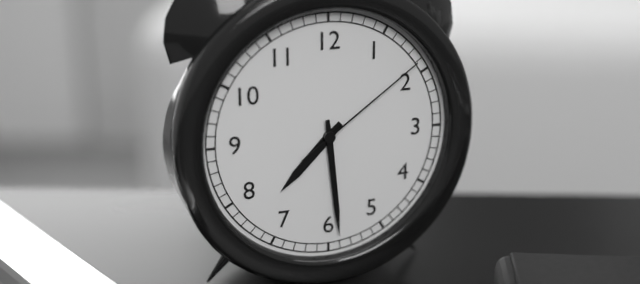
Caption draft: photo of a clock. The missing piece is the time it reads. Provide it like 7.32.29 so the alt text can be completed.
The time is 7.29.09
